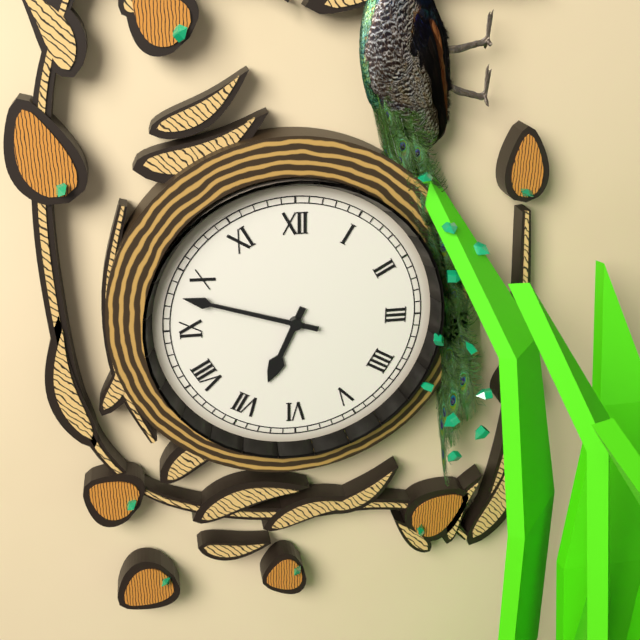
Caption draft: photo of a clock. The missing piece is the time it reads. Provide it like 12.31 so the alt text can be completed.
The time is 6.48
